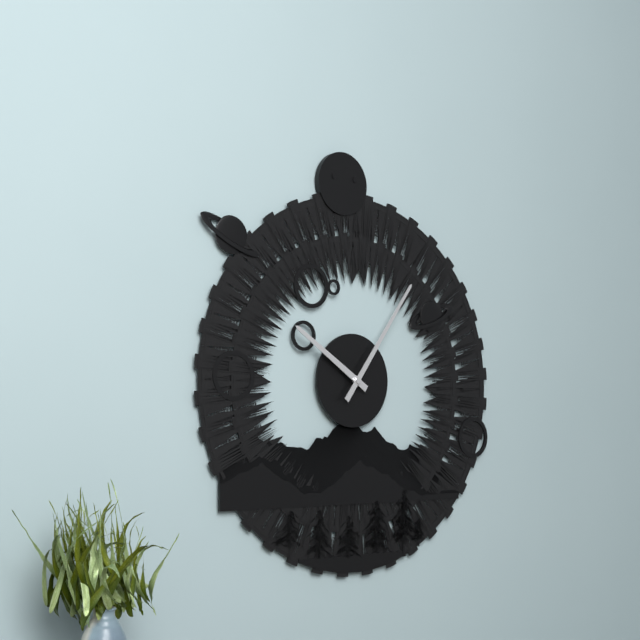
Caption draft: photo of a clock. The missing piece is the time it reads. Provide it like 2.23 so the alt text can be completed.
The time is 10.06
